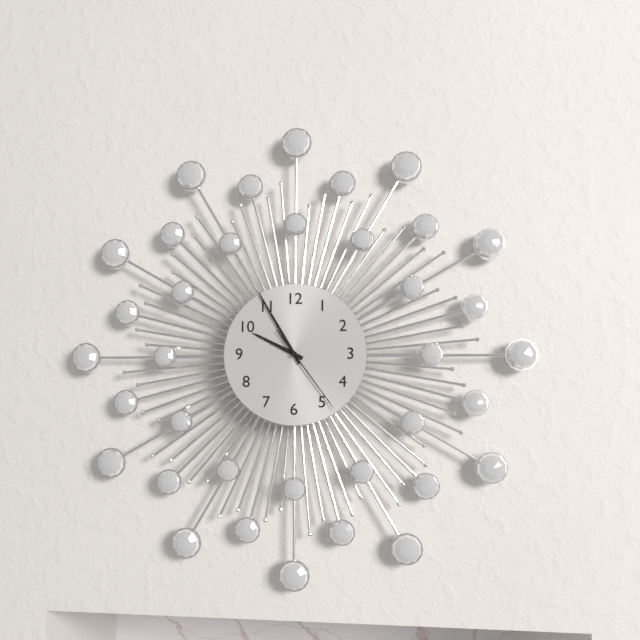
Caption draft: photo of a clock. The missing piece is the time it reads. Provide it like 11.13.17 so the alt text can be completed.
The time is 9.55.24
